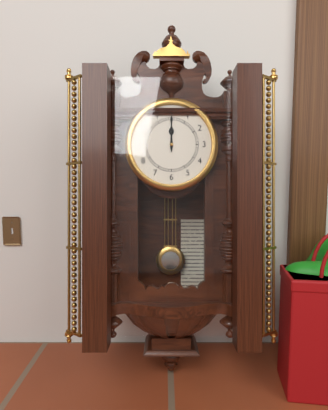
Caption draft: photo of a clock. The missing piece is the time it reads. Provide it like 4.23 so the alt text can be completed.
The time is 12.00
